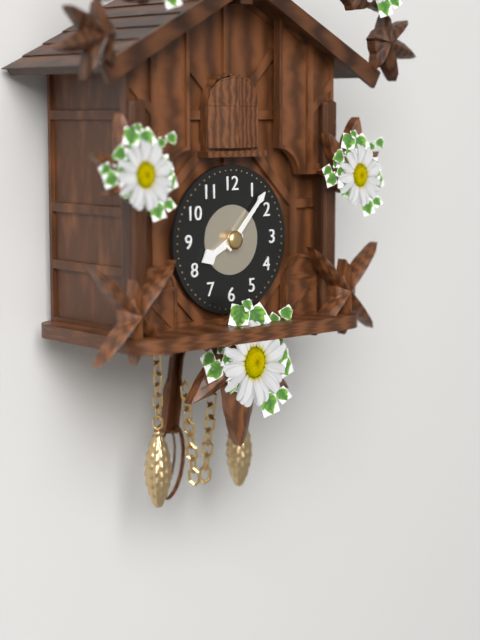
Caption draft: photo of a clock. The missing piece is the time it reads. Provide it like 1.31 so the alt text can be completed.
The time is 8.07
